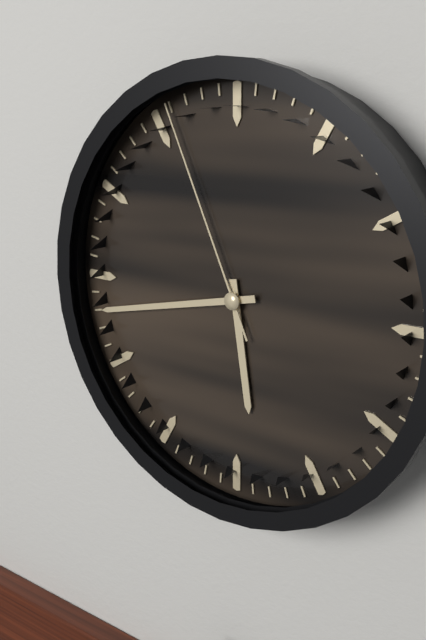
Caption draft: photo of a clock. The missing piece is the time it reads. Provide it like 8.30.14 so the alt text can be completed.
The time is 5.43.56
